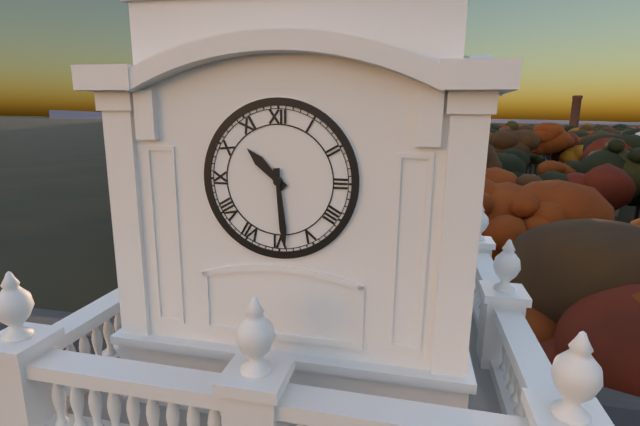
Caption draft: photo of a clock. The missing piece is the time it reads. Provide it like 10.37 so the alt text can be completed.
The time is 10.29
